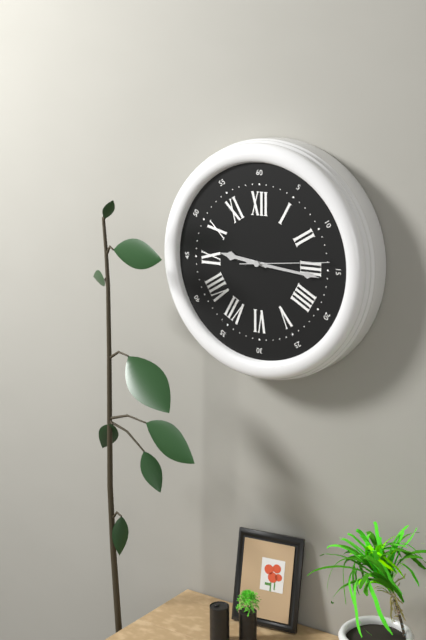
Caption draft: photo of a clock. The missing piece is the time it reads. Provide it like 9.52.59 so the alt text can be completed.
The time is 9.16.14
